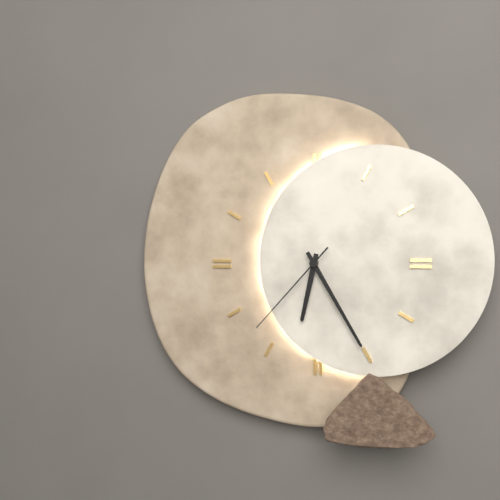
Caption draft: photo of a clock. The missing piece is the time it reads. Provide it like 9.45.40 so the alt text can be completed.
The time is 6.25.37
